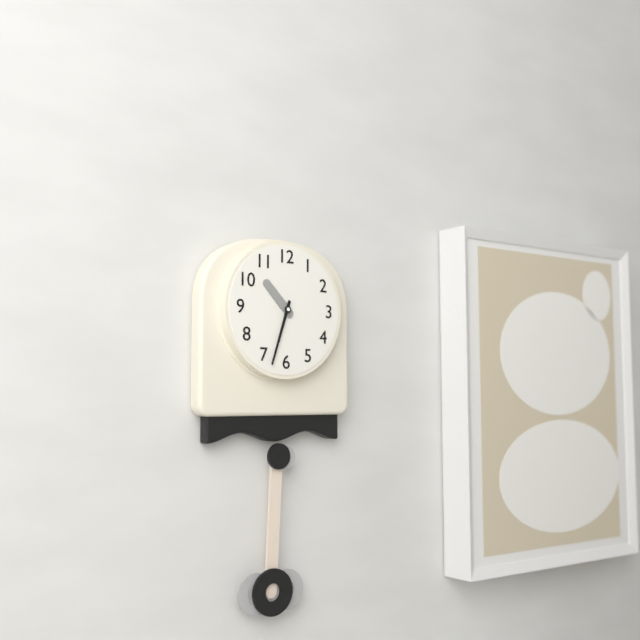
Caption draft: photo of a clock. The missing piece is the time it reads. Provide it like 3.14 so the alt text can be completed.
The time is 10.33
